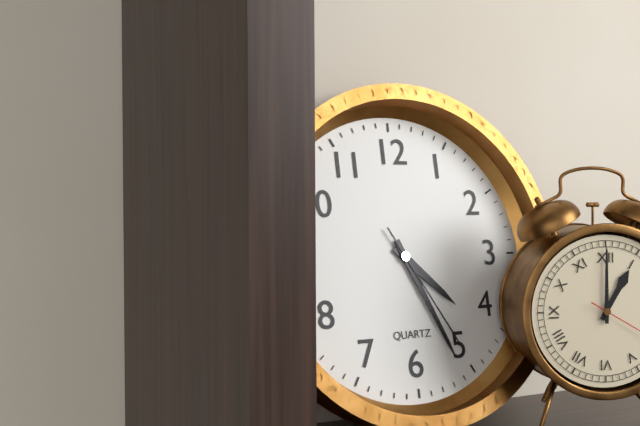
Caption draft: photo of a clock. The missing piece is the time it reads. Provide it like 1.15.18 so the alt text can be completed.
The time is 4.26.25
